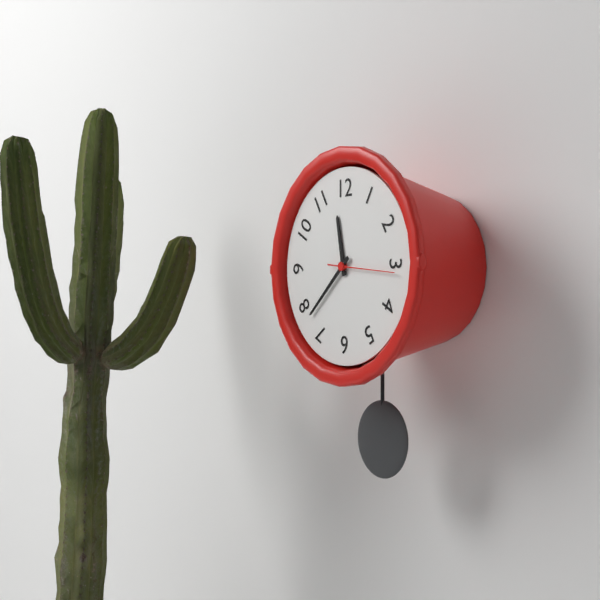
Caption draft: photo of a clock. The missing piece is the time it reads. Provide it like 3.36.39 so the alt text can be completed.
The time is 11.38.16
